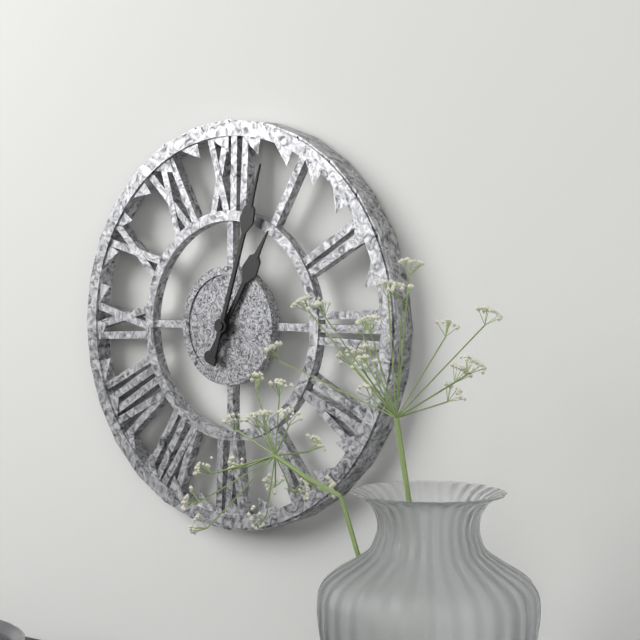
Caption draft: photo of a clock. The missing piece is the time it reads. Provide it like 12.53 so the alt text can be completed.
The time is 1.03
